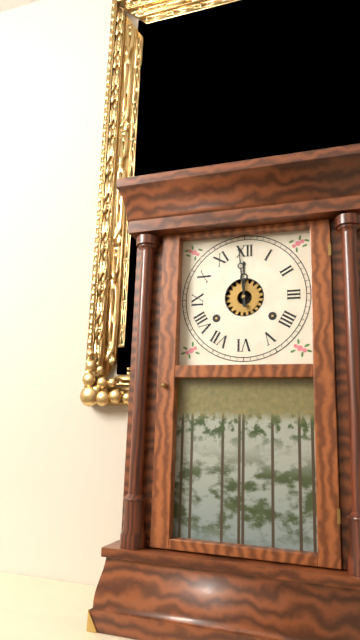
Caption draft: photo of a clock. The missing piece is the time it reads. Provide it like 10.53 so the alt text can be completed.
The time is 11.59
